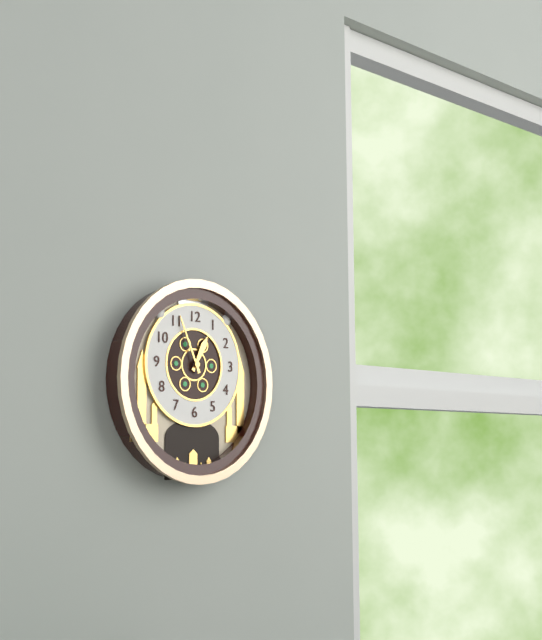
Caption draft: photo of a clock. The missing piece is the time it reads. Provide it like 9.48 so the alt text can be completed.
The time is 12.56
